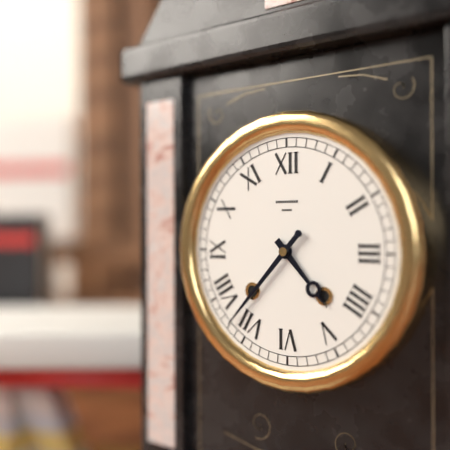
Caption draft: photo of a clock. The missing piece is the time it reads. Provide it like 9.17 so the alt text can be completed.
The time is 4.37
